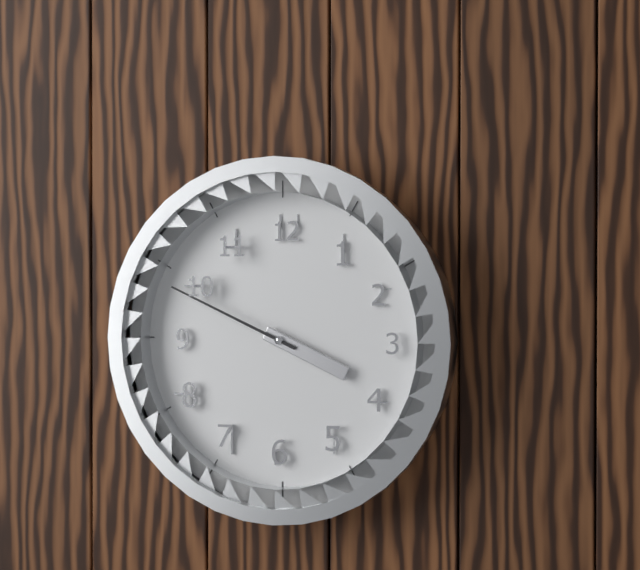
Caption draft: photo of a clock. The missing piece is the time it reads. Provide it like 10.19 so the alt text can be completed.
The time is 3.49
